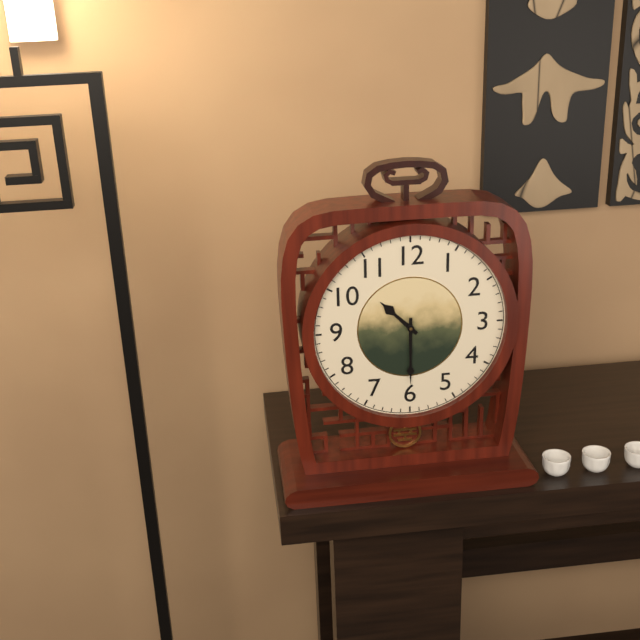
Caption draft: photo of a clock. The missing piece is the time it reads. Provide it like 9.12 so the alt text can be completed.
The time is 10.30
